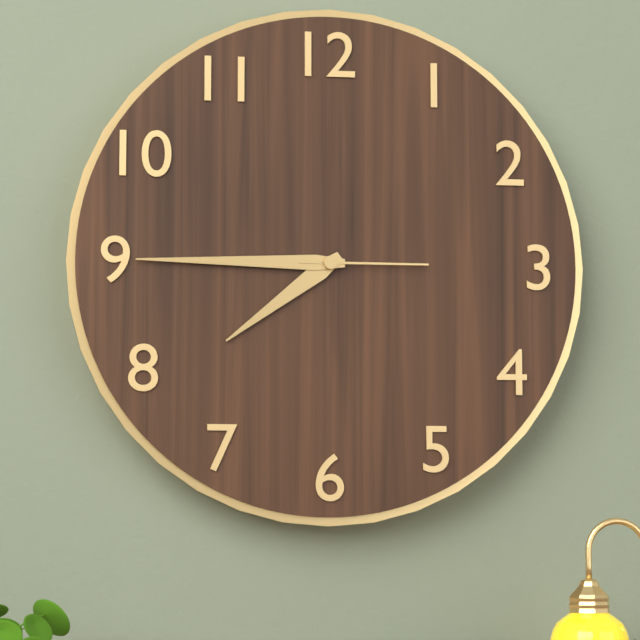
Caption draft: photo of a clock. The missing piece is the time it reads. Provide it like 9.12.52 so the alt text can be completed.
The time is 7.45.15
